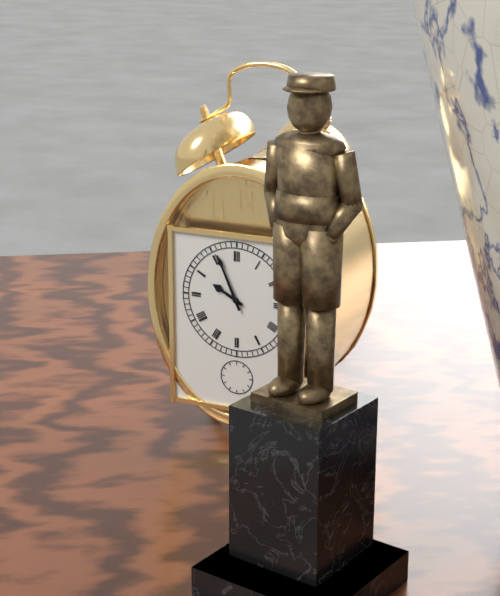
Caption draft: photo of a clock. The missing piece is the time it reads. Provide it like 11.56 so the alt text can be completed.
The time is 9.56
